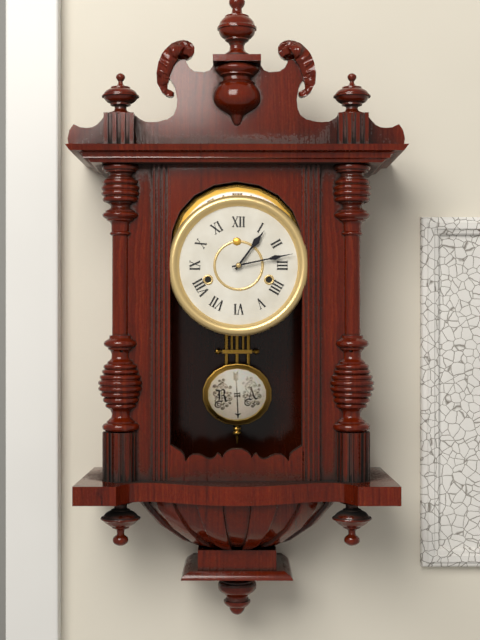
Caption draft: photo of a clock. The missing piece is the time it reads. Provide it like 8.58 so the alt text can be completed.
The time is 1.13
